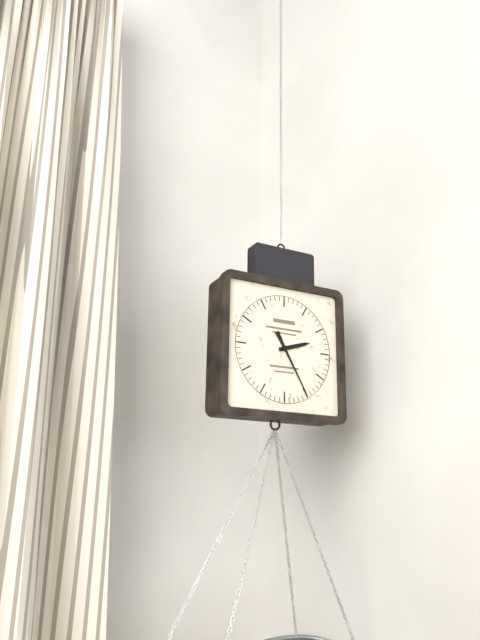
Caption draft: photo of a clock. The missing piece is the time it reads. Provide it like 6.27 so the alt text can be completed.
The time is 2.25
